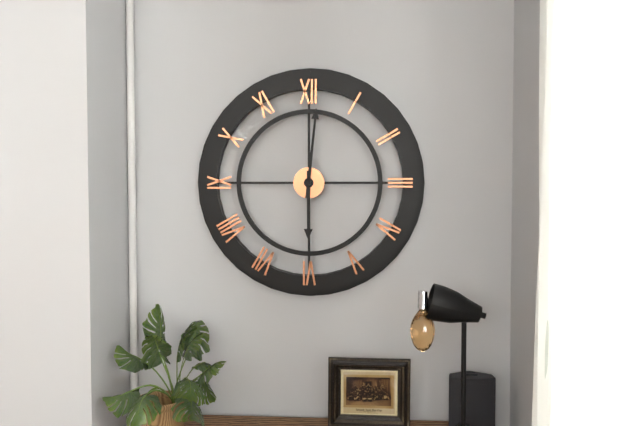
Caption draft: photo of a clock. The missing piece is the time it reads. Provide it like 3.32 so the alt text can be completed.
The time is 6.01
